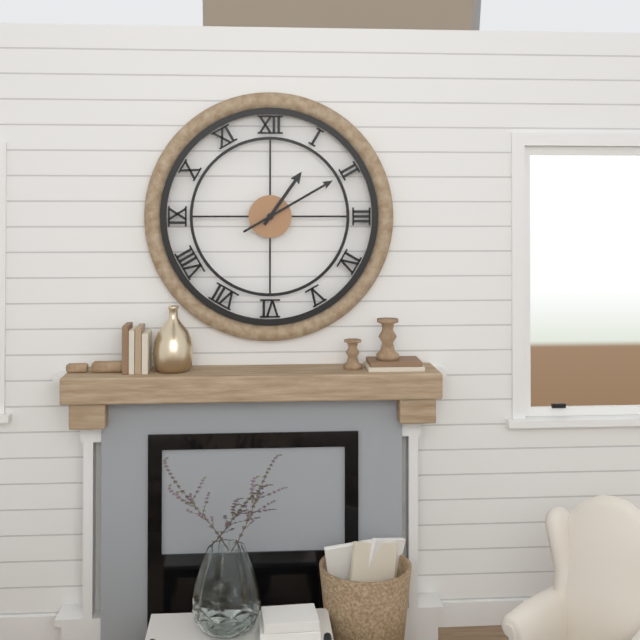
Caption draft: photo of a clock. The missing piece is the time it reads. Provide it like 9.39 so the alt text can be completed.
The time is 1.10
